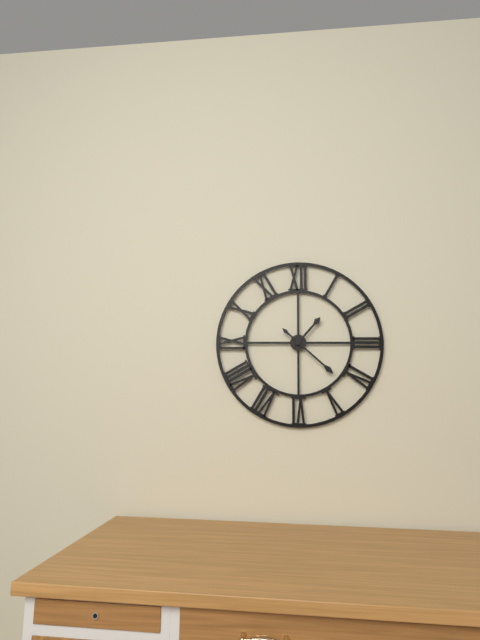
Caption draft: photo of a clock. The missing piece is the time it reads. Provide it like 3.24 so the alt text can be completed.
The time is 1.22
